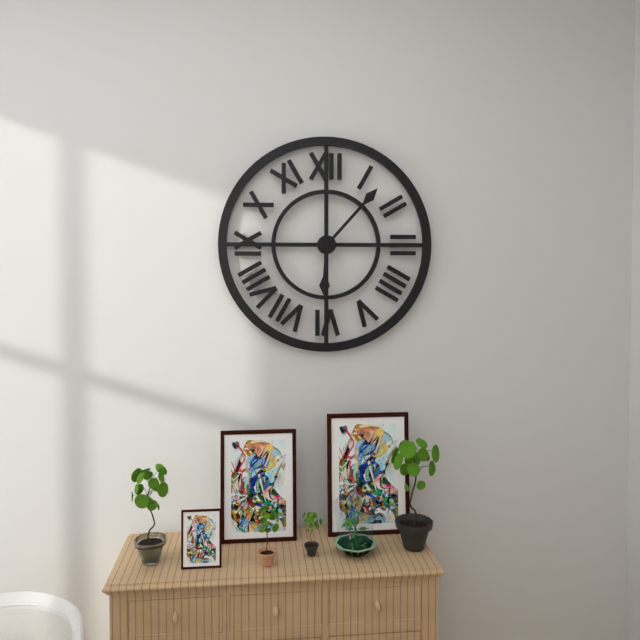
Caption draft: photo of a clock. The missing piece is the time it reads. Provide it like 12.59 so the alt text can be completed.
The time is 6.07
